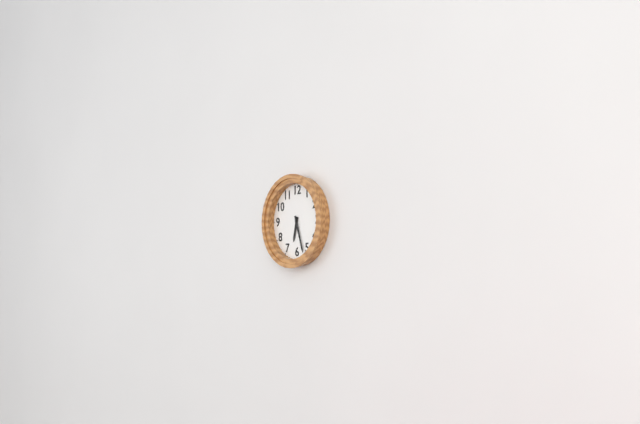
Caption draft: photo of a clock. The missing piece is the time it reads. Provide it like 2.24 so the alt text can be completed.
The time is 6.27
